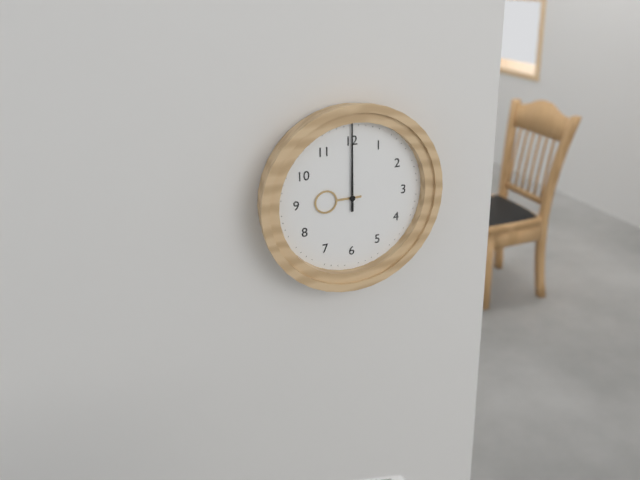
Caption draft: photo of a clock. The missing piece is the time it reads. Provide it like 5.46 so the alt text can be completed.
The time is 9.00
